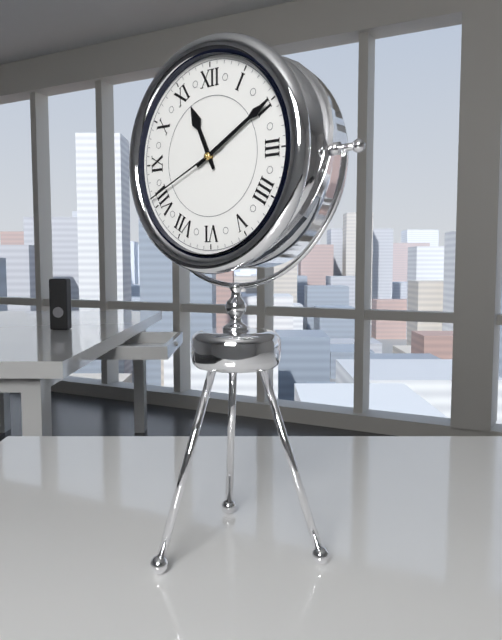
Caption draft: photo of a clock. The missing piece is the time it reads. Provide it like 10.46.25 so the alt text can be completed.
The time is 11.10.41
